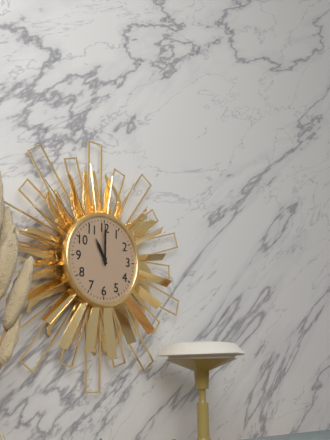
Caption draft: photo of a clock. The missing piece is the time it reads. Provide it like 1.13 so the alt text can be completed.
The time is 11.00
